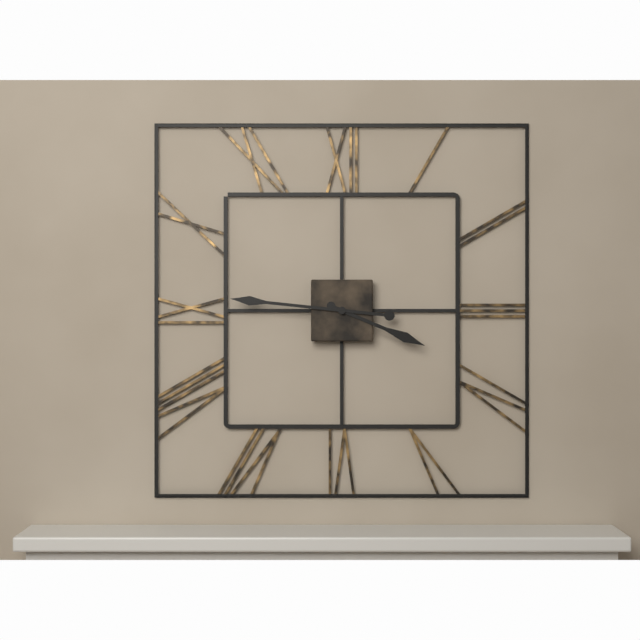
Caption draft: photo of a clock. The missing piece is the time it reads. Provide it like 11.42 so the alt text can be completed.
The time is 3.46
